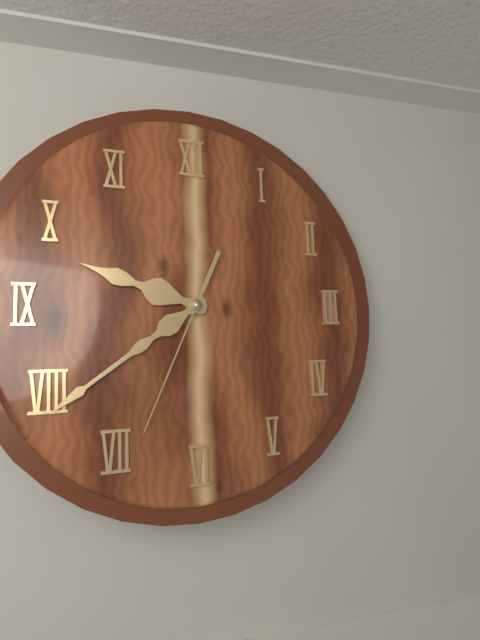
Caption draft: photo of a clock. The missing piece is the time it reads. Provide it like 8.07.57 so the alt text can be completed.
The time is 9.39.34
